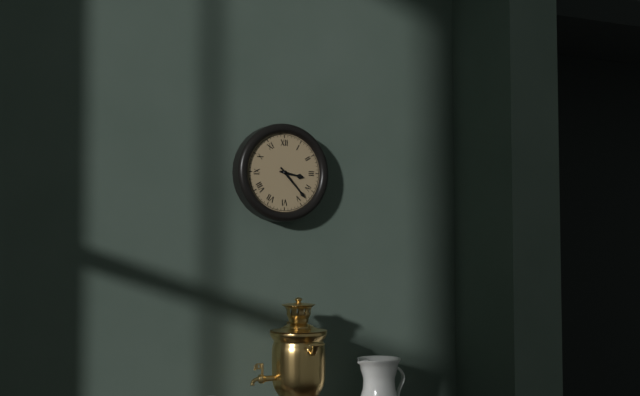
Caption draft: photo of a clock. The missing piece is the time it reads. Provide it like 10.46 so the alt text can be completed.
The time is 3.23
